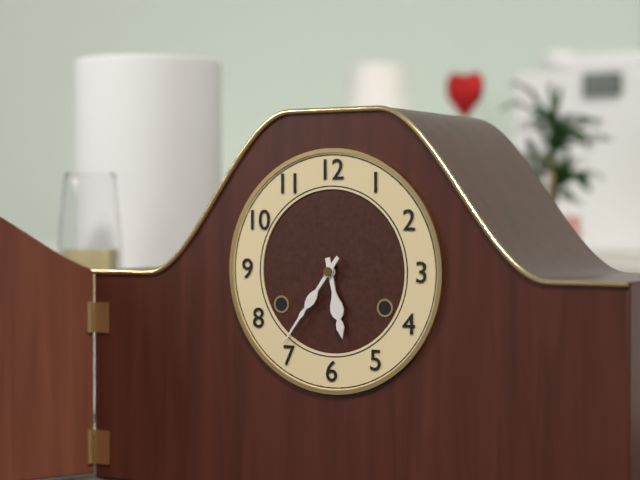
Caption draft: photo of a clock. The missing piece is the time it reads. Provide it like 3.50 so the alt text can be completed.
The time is 5.36
